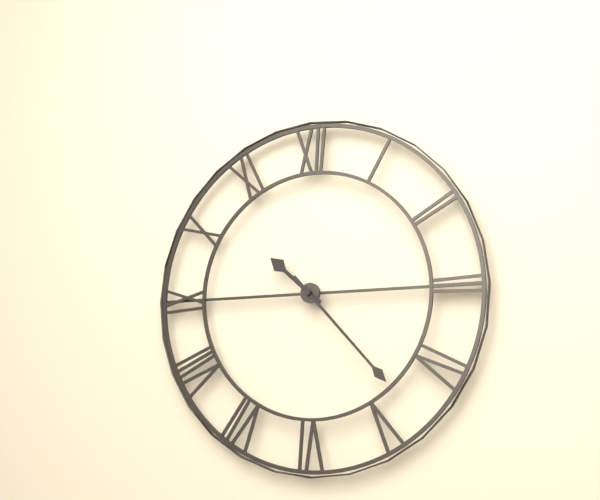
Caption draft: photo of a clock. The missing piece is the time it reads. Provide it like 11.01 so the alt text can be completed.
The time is 10.23
